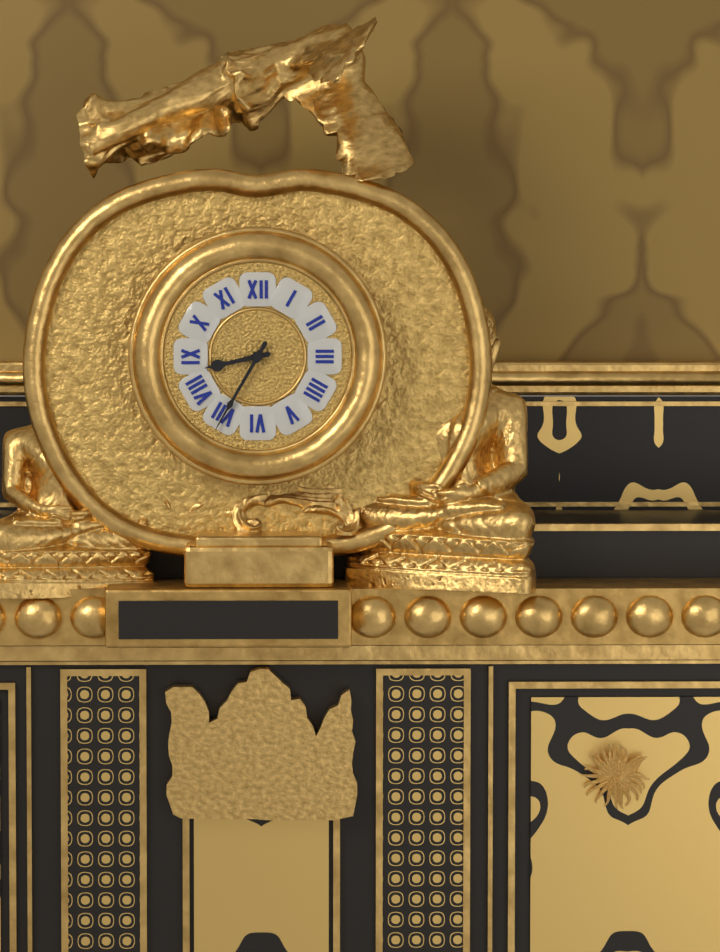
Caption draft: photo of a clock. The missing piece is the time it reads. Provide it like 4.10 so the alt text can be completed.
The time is 8.35
